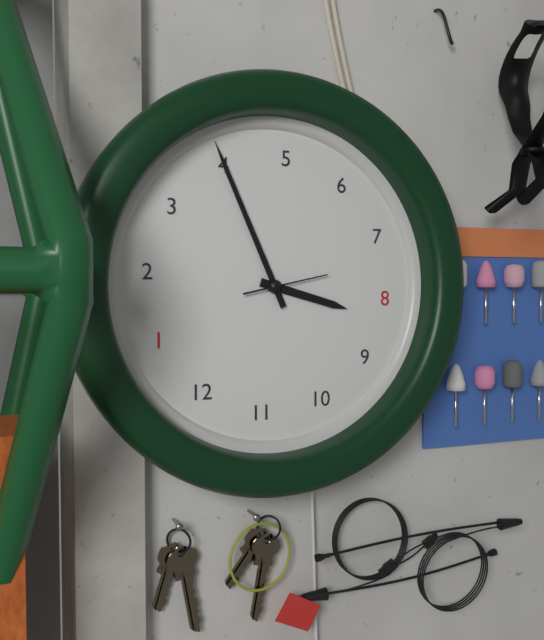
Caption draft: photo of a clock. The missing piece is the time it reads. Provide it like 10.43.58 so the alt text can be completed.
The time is 8.20.37
